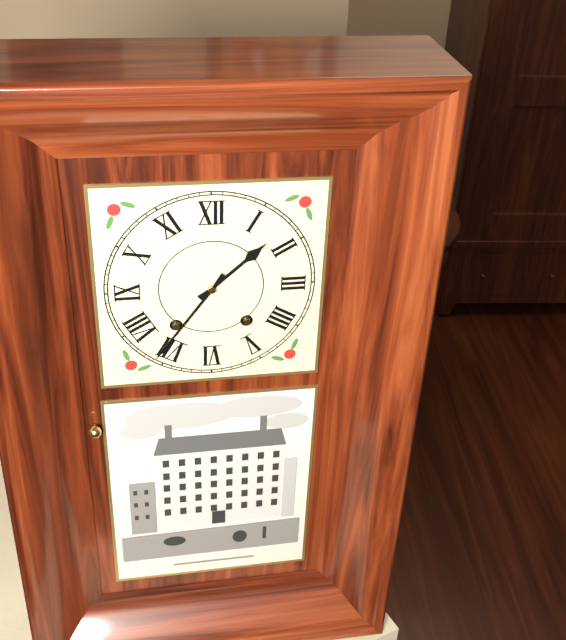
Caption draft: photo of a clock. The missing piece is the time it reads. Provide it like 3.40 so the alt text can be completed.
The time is 1.36
